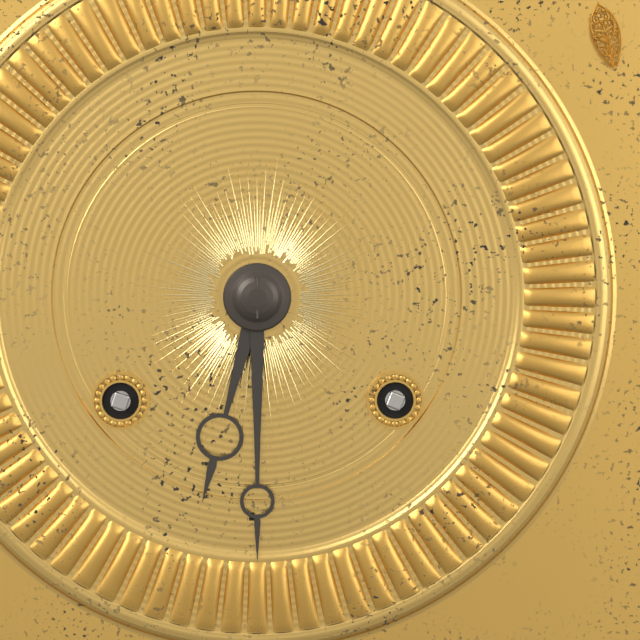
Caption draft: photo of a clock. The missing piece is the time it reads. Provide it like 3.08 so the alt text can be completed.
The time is 6.30
